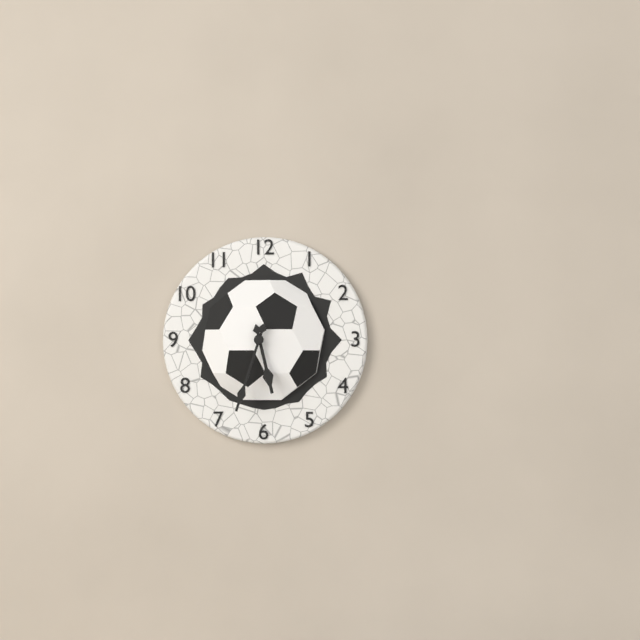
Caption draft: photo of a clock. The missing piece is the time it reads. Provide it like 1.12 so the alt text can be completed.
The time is 5.33
